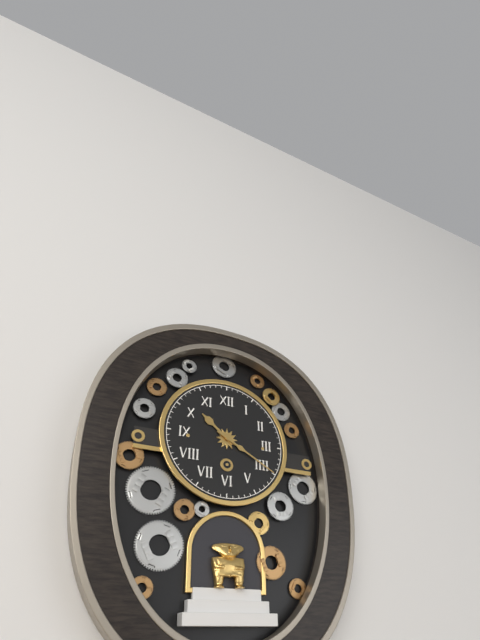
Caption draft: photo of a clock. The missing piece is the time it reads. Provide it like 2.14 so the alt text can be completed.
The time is 10.20
